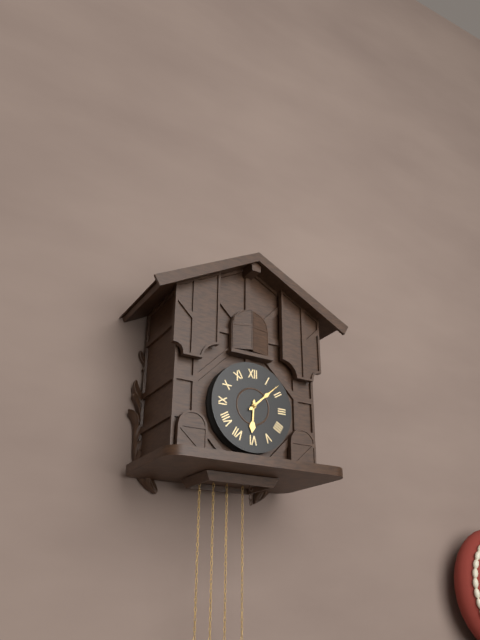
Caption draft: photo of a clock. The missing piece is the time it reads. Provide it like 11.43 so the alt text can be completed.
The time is 6.08
